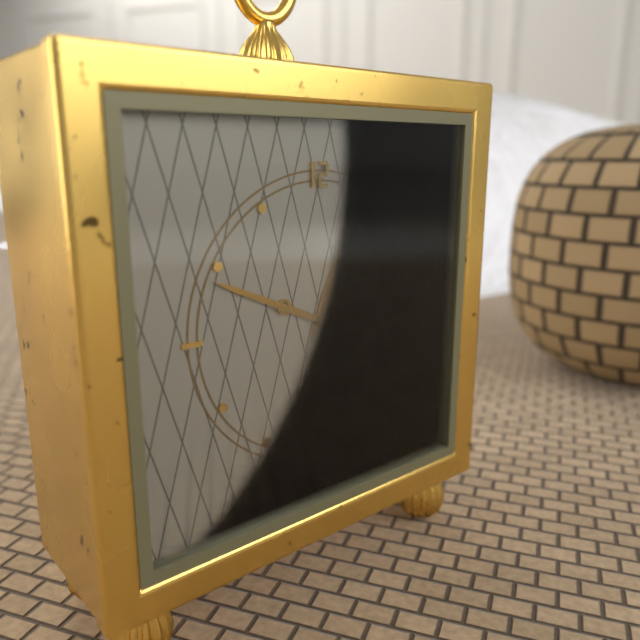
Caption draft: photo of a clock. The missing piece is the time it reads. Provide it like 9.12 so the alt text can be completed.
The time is 12.49
